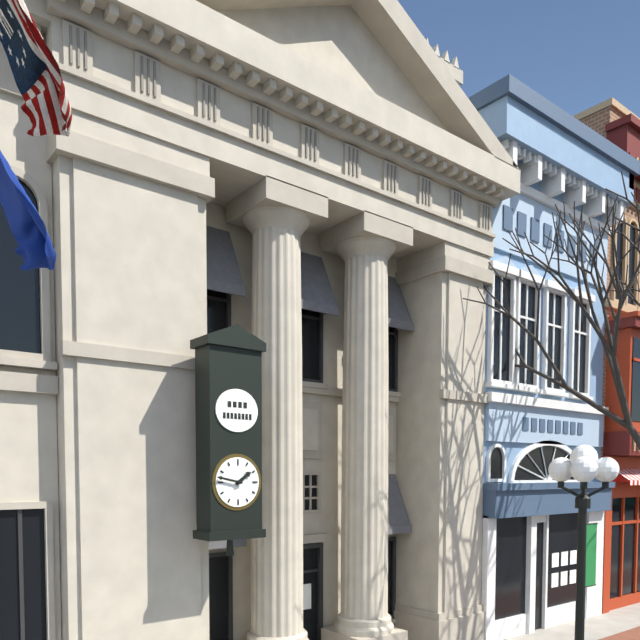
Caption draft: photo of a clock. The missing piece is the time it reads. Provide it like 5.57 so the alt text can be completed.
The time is 1.47
